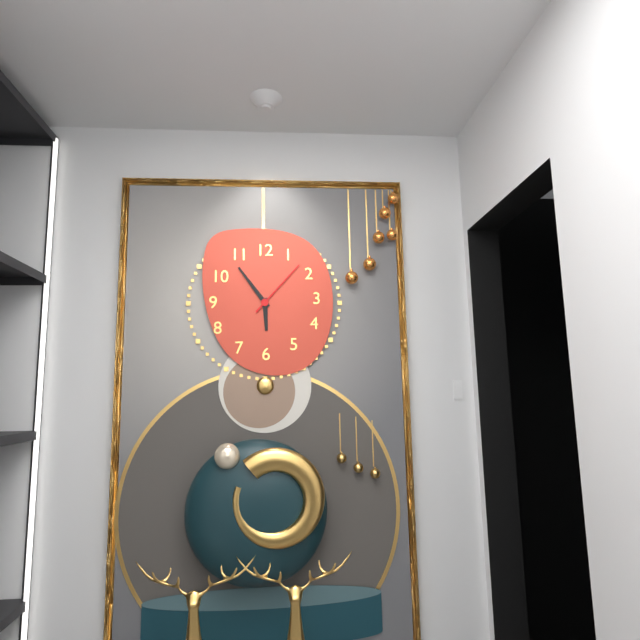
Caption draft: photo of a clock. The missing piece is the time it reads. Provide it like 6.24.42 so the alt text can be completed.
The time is 5.54.07
